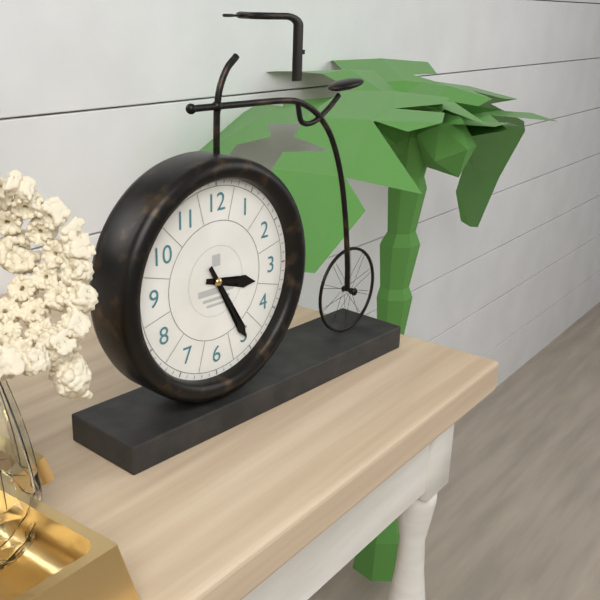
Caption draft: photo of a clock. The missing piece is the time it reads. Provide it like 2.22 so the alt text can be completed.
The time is 3.25
